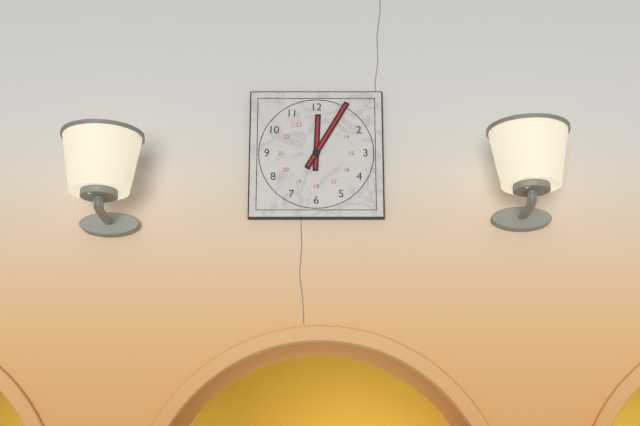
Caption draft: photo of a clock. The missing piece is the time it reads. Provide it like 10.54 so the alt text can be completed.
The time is 12.05
